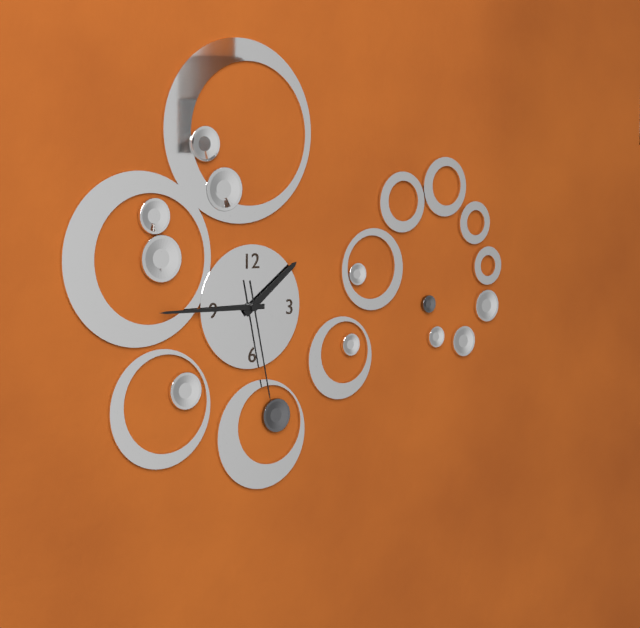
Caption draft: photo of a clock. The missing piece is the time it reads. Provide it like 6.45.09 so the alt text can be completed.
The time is 1.45.28
